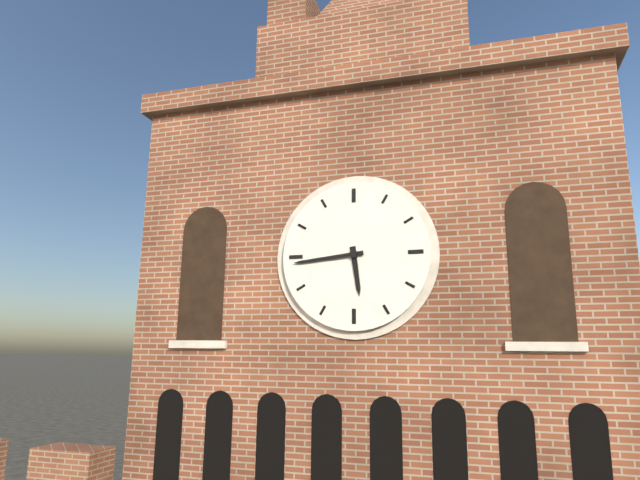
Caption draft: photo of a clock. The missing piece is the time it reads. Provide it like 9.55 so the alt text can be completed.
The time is 5.44
